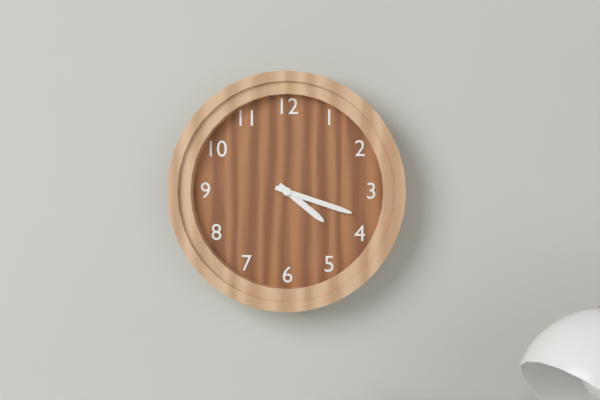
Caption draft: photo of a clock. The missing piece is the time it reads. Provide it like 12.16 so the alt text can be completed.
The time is 4.18
